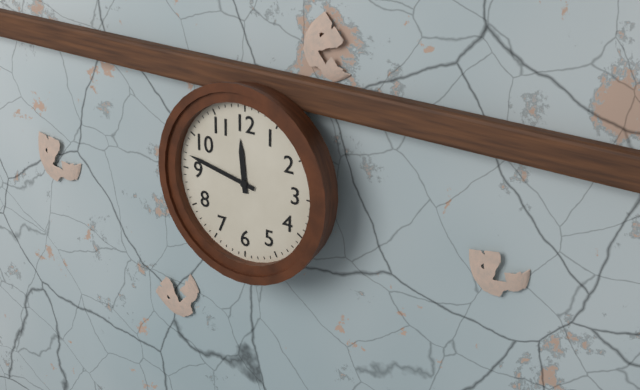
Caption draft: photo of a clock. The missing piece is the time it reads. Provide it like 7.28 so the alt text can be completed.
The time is 11.47
